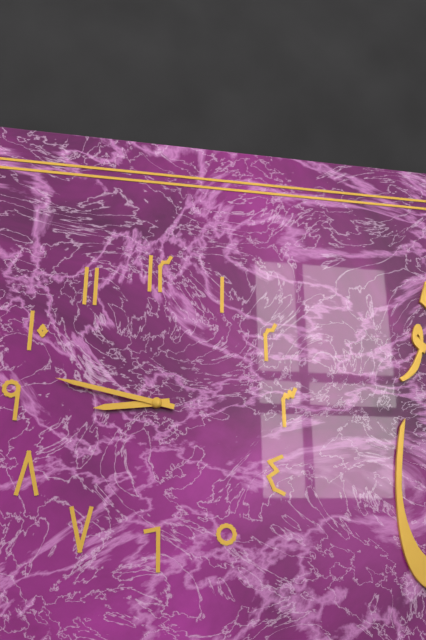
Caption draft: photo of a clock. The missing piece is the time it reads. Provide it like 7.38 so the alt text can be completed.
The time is 8.47
